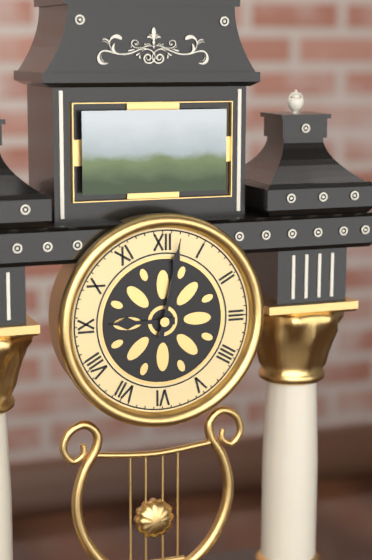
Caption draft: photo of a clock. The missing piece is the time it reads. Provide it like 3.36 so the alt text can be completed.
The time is 9.02
